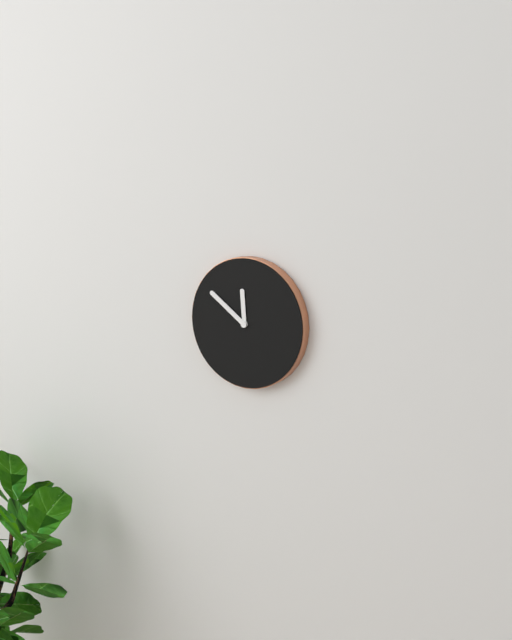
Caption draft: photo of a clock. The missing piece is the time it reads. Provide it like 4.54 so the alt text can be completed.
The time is 11.51
